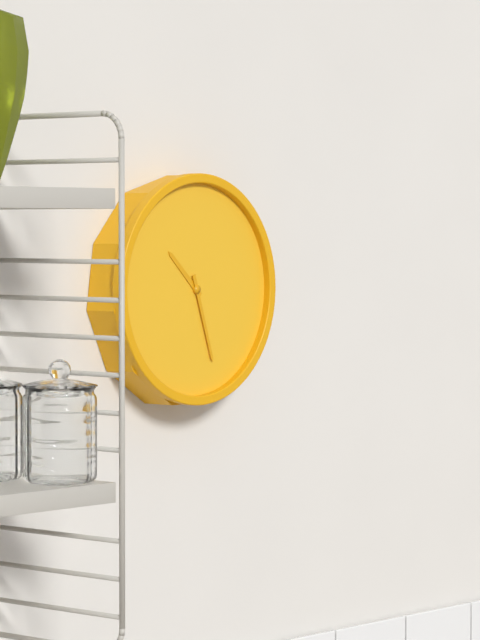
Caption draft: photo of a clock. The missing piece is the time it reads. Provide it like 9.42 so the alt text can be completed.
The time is 10.27
